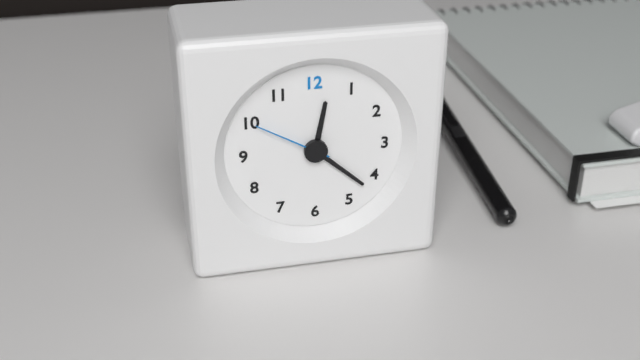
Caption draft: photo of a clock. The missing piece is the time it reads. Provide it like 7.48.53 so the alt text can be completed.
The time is 12.22.50
